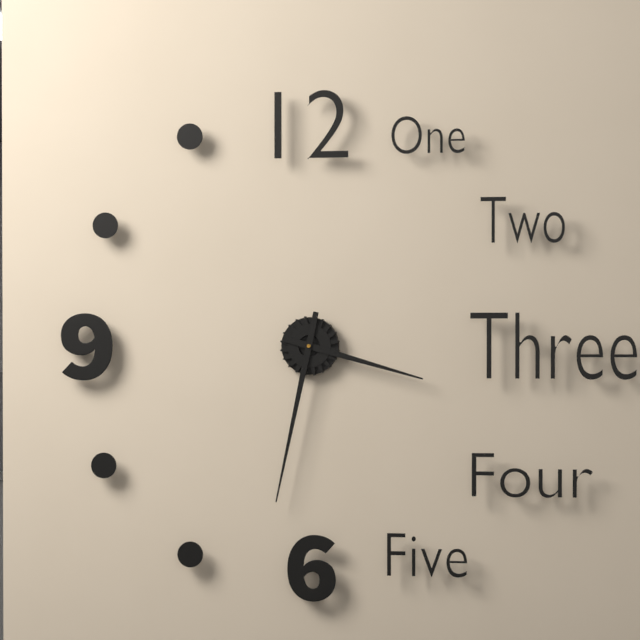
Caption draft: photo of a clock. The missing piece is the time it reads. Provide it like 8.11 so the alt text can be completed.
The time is 3.32
